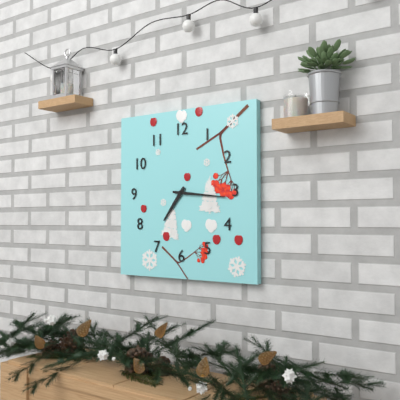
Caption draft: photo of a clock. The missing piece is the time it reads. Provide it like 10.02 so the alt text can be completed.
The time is 7.16
